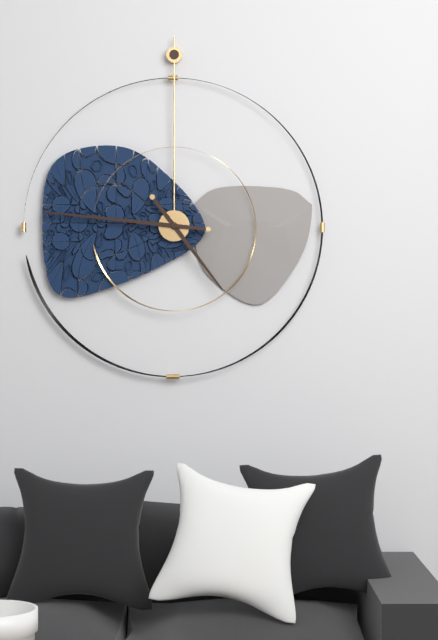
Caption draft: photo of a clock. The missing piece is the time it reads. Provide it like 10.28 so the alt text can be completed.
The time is 4.46
